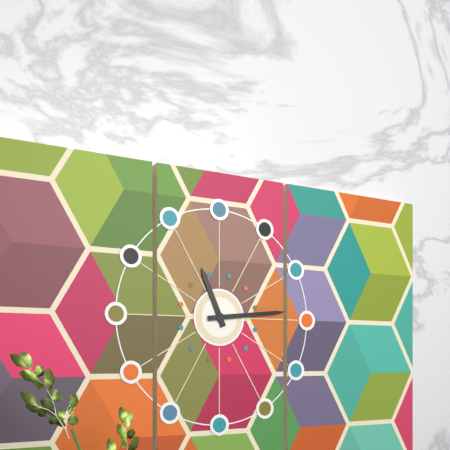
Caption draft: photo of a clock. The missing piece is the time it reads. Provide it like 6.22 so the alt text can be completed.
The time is 11.14
